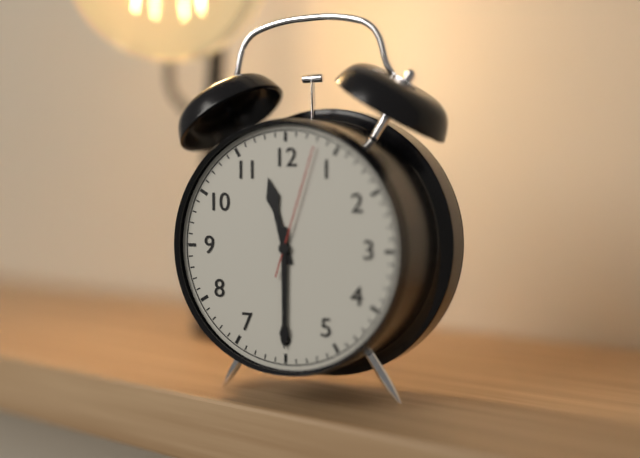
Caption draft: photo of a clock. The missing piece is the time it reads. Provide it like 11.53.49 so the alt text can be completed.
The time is 11.30.03
